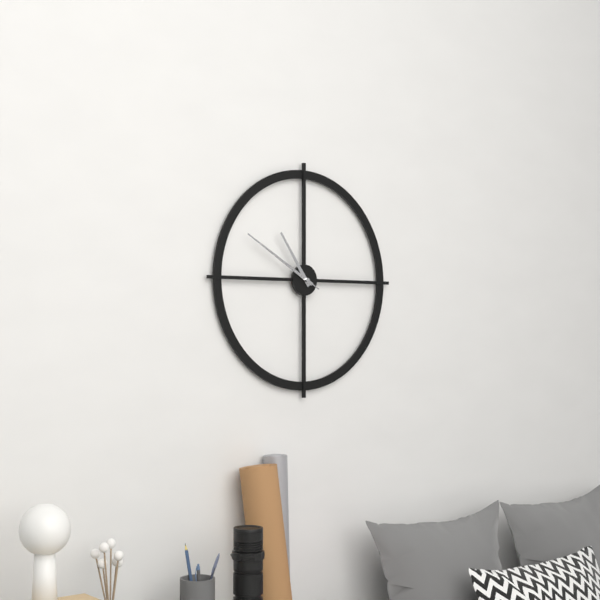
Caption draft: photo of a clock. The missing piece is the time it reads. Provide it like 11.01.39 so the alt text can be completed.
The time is 10.50.50
